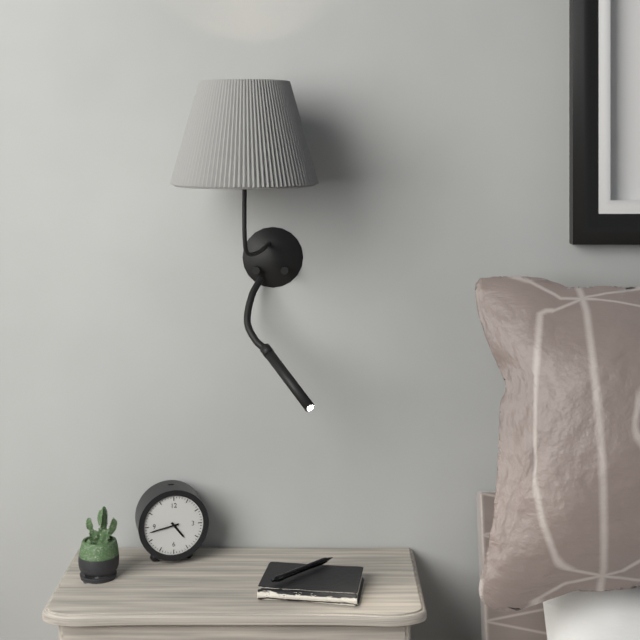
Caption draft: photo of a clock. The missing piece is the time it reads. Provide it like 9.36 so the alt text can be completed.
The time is 4.43
